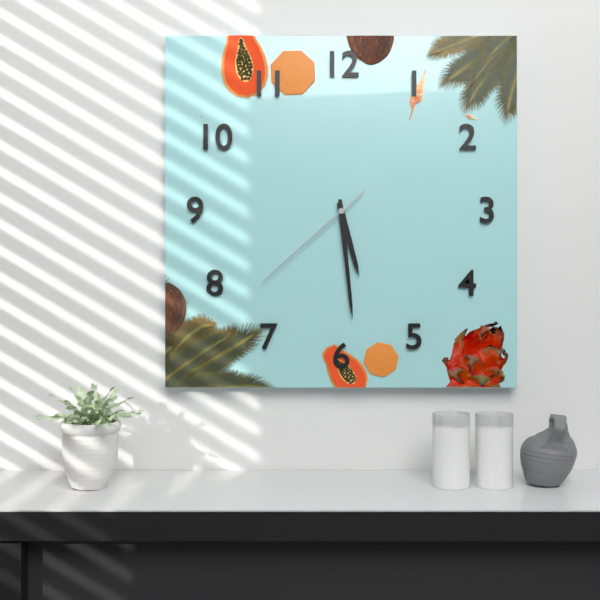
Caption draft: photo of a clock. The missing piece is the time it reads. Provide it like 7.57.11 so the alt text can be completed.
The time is 5.29.38
